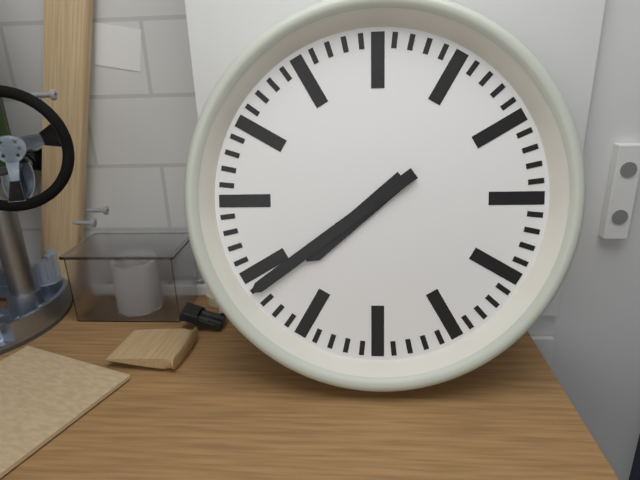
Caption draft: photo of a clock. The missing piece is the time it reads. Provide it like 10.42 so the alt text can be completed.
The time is 7.39
